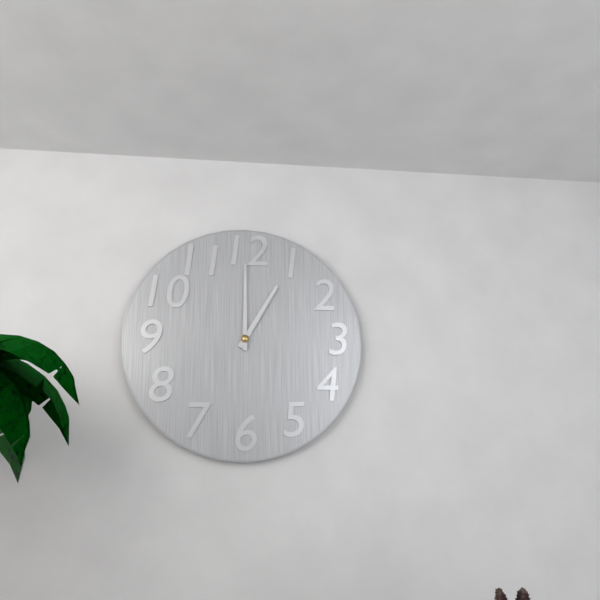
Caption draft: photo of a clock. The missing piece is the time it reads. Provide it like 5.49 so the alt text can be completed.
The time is 1.00
